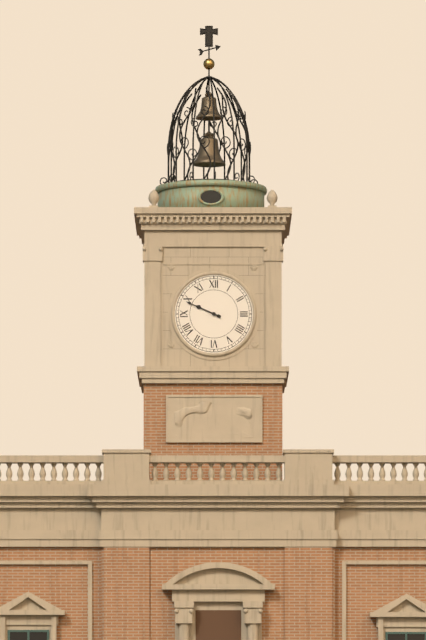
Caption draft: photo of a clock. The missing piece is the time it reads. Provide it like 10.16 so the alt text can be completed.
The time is 9.49
